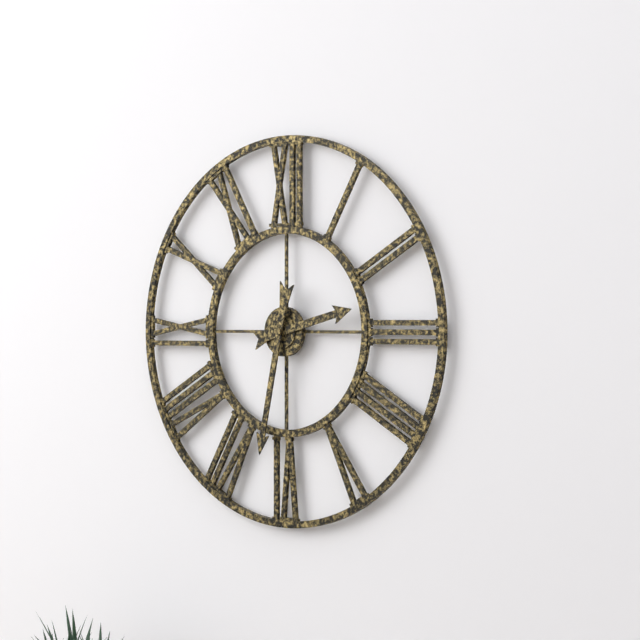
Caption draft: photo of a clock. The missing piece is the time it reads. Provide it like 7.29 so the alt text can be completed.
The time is 2.32
